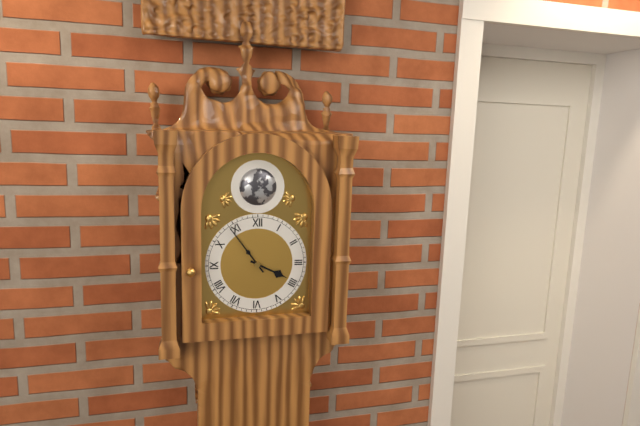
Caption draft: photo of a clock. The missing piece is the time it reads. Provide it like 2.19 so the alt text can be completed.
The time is 3.54
